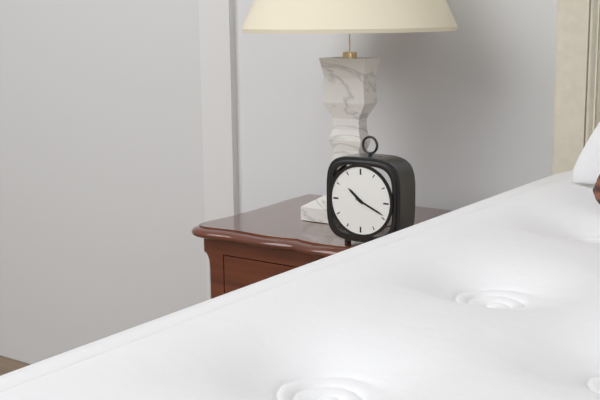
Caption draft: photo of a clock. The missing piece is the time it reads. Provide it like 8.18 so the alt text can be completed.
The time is 10.19
